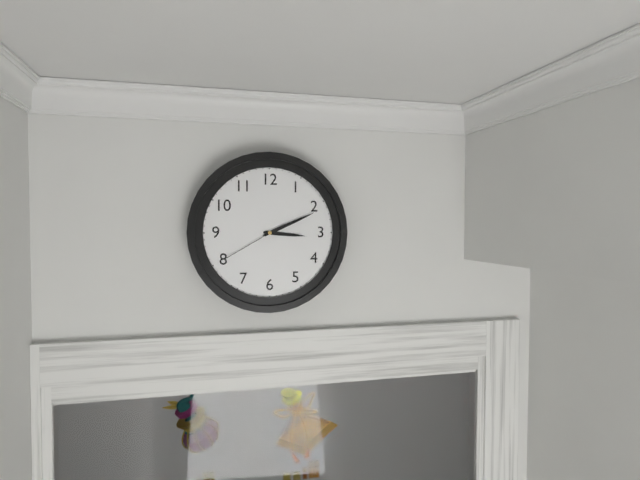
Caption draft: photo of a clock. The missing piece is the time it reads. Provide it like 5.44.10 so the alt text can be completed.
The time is 3.11.40
